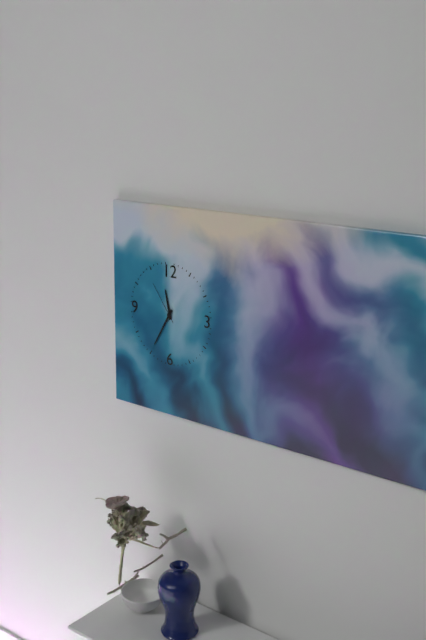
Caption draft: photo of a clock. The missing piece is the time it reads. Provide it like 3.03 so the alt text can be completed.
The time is 11.35
